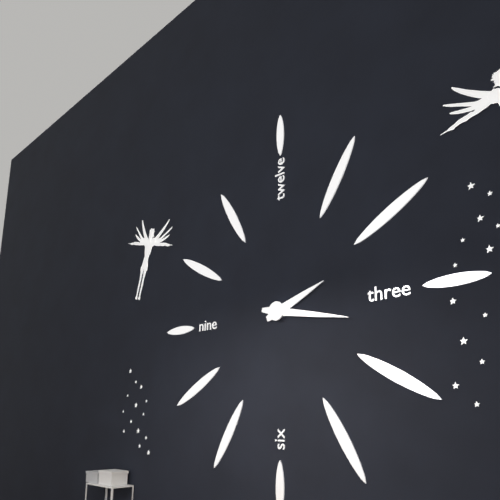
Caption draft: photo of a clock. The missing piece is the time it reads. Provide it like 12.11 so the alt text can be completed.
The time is 2.17
